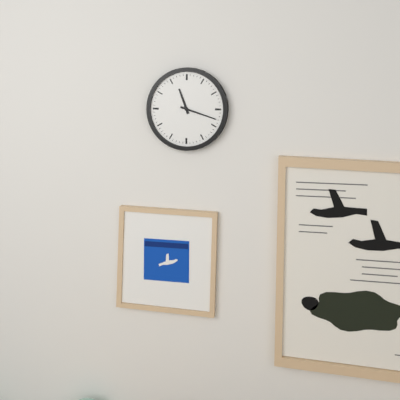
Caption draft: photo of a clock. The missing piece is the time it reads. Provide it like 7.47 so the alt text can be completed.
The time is 11.18
